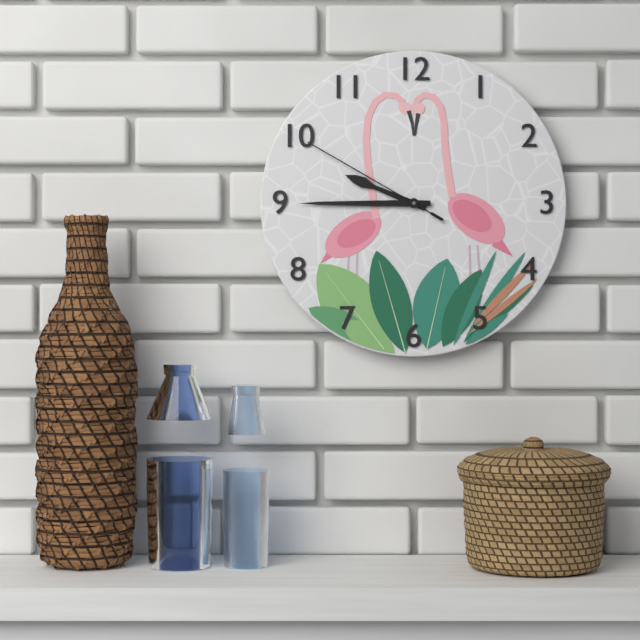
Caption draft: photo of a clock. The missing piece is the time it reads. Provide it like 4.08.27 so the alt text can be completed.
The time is 9.45.50
